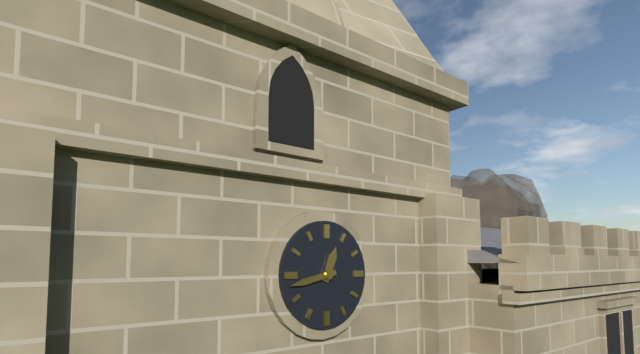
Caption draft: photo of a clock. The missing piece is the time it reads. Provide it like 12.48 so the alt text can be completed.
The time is 12.43
